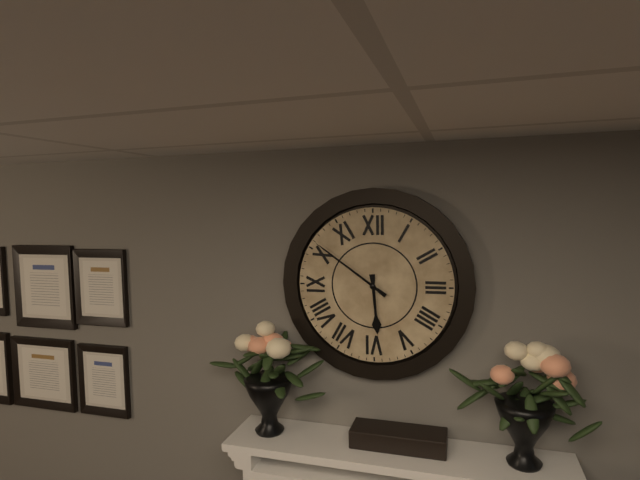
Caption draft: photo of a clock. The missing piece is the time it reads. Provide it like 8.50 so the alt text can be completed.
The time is 5.51
